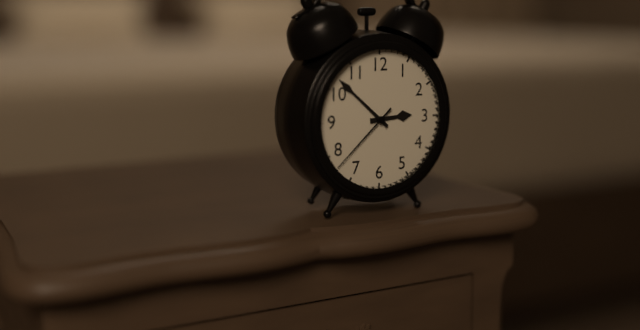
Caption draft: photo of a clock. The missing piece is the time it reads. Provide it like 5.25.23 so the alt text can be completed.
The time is 2.52.38
